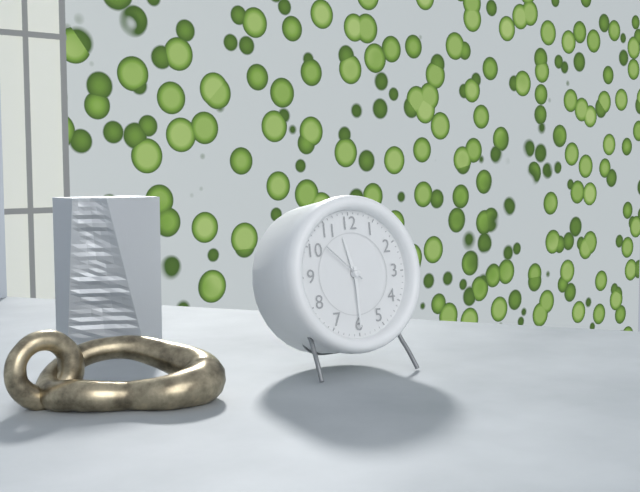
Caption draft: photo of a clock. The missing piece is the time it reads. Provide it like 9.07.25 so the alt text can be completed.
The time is 11.30.52
